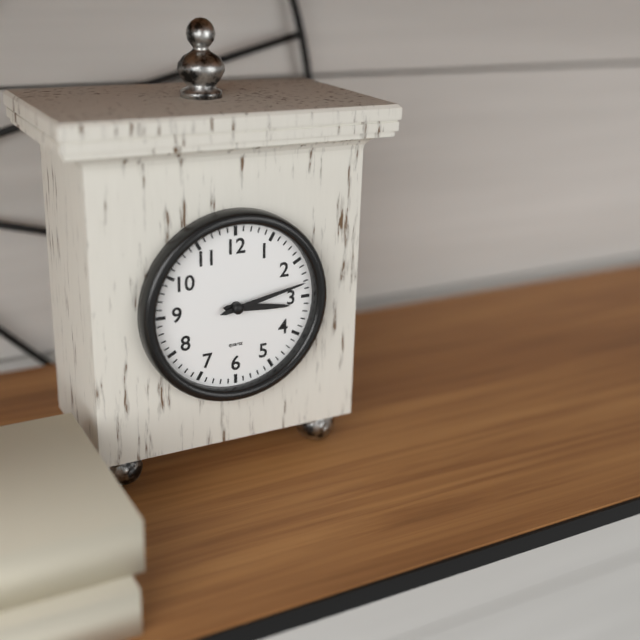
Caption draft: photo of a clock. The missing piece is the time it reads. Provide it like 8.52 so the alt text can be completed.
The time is 3.13
